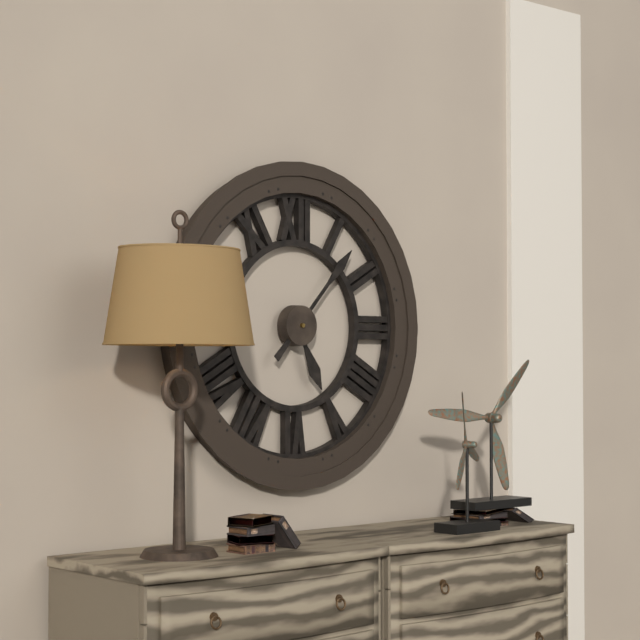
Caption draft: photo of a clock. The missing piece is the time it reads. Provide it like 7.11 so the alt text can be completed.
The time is 5.07
